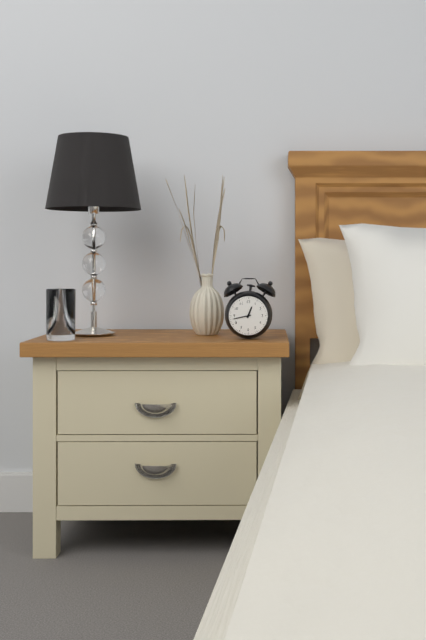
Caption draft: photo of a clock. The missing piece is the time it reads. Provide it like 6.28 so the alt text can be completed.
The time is 12.43
